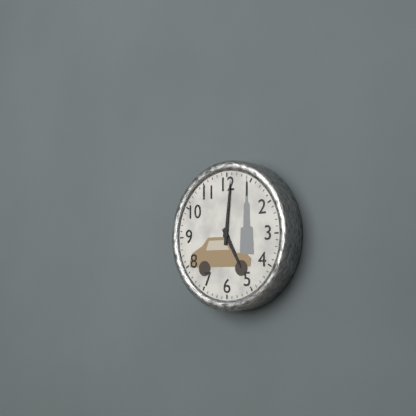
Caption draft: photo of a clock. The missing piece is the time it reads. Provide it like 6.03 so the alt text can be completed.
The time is 5.01
